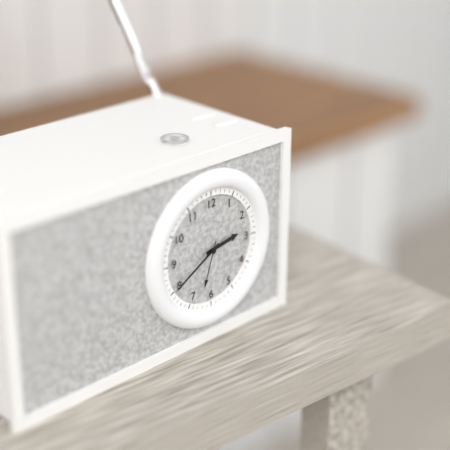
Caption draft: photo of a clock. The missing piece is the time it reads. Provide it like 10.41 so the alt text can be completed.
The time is 2.40
